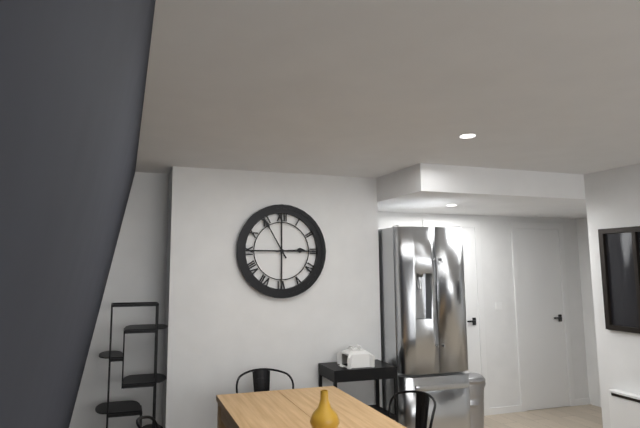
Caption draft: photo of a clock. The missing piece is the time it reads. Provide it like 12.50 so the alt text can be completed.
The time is 2.55
